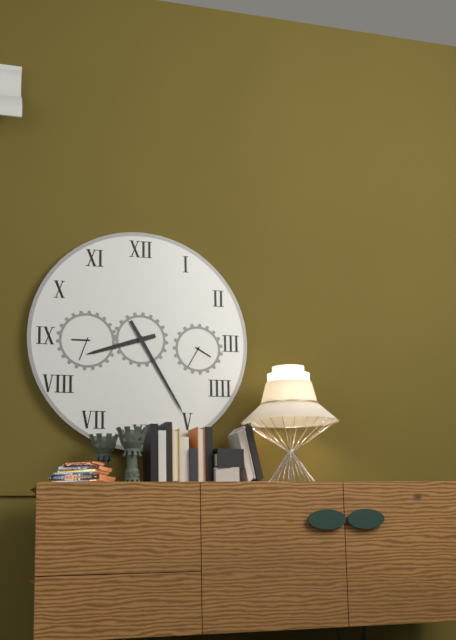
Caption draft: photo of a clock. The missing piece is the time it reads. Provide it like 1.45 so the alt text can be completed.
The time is 8.25
